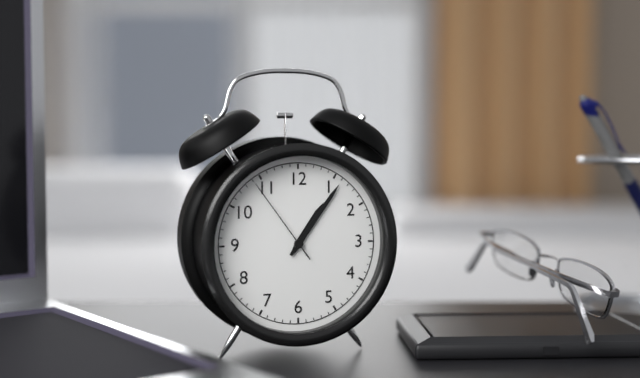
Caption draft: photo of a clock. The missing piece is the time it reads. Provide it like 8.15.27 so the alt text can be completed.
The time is 1.06.54
